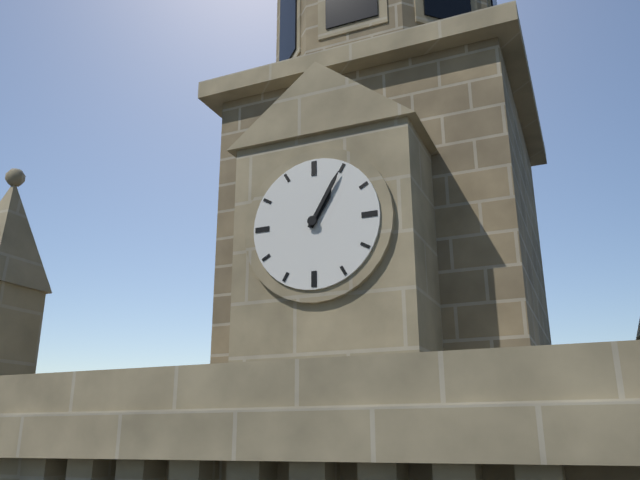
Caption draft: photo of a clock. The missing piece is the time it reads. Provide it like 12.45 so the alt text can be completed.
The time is 1.05
